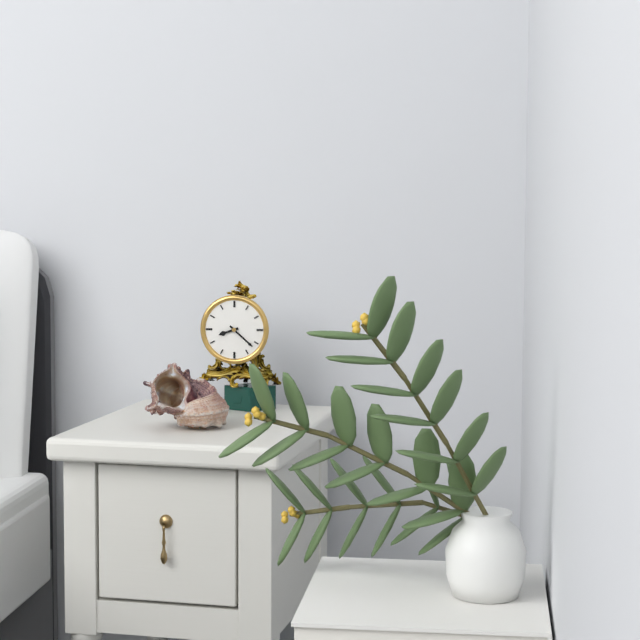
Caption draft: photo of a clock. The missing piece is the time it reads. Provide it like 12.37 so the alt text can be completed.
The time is 8.22
